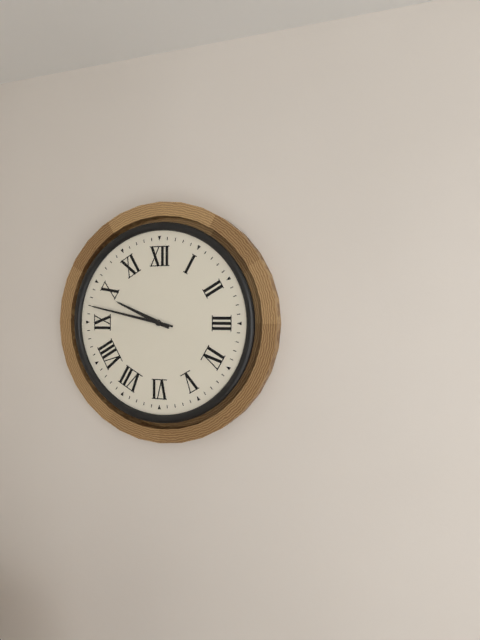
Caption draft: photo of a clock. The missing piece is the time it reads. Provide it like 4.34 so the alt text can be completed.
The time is 9.47
